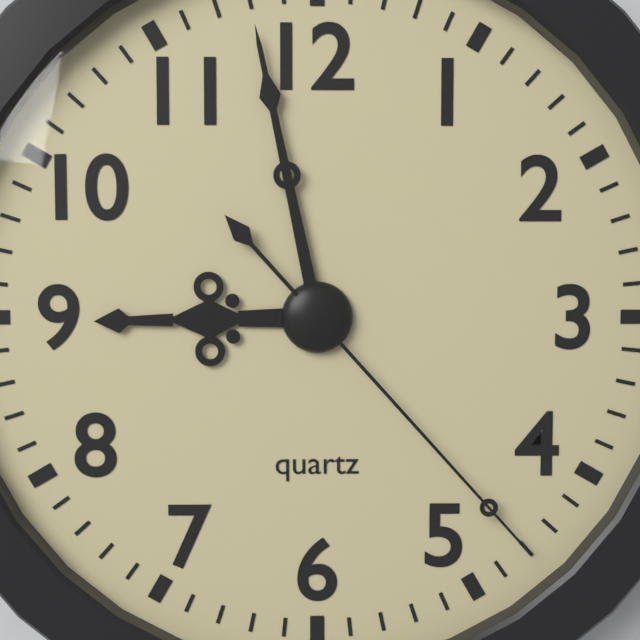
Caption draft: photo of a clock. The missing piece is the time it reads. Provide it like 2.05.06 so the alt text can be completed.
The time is 8.58.23
